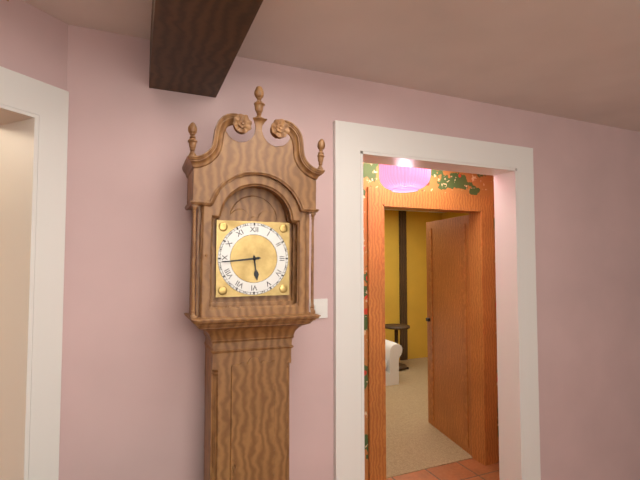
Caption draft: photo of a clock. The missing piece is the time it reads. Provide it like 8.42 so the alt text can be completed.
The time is 5.44
